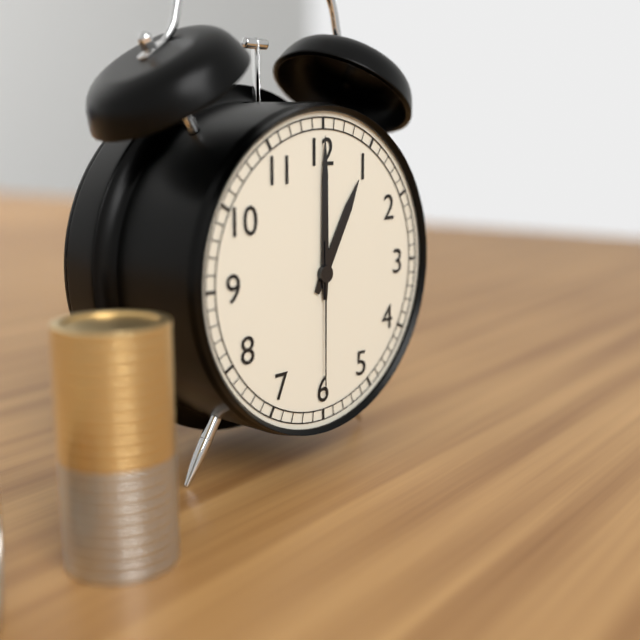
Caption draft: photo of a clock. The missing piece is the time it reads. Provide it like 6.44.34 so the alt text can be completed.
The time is 1.00.30
